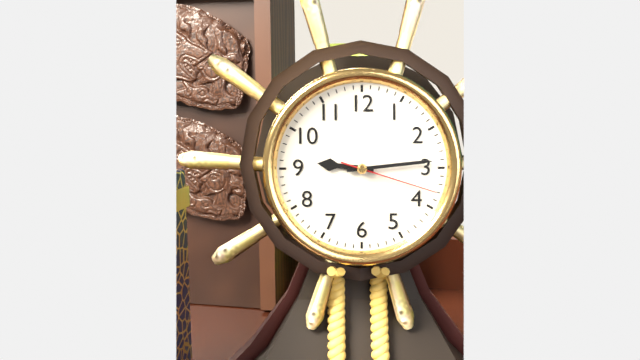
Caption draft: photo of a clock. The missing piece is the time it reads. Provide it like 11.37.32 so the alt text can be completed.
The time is 9.14.18
